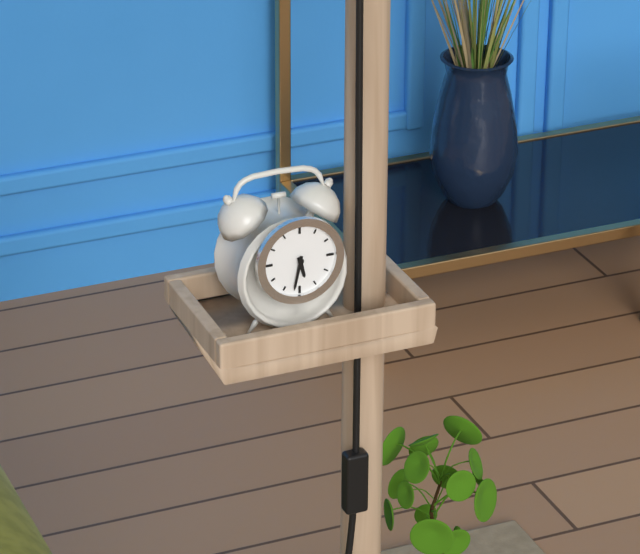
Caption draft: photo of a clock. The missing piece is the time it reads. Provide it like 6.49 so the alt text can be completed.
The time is 5.32
